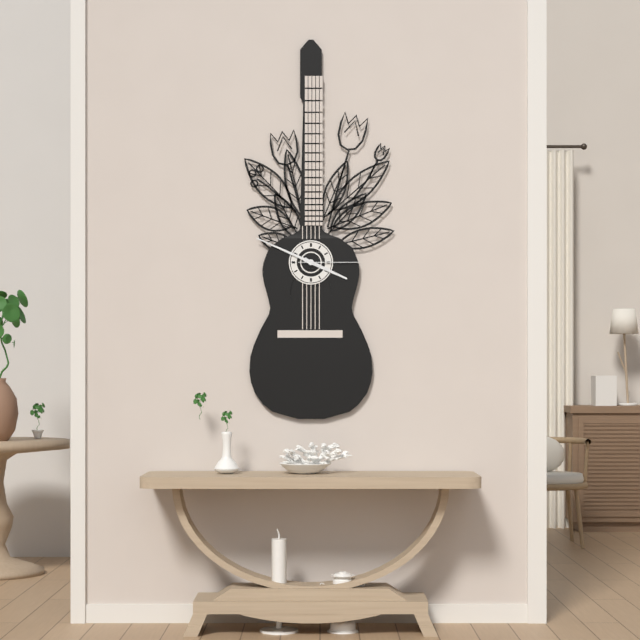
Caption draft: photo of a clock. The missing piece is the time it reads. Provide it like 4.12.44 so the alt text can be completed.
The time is 3.49.15
